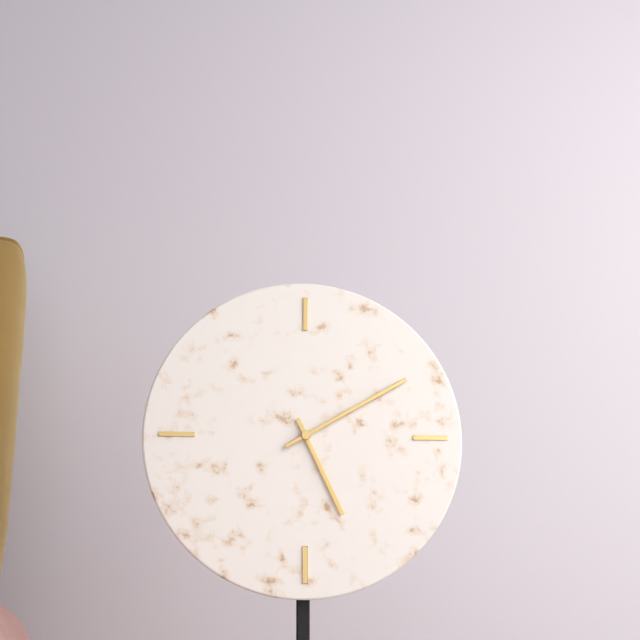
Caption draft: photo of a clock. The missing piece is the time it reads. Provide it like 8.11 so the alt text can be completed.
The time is 5.10
